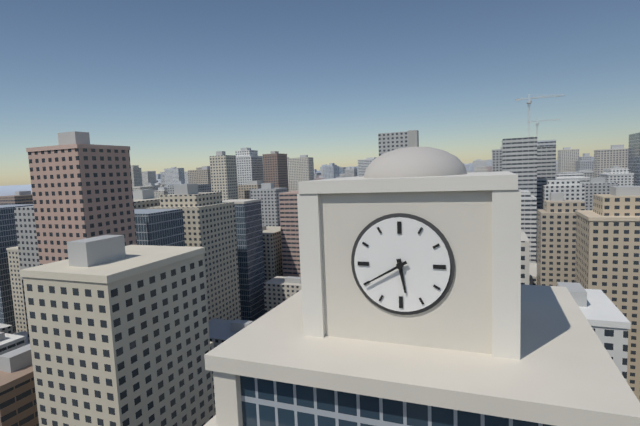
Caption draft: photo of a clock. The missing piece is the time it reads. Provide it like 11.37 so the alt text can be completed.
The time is 5.40
